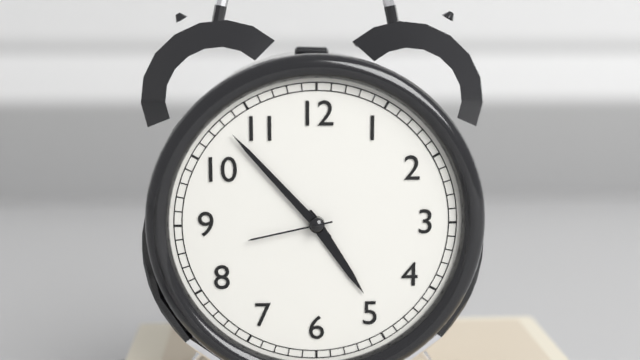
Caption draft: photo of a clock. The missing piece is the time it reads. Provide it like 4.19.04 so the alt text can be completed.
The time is 4.53.43
